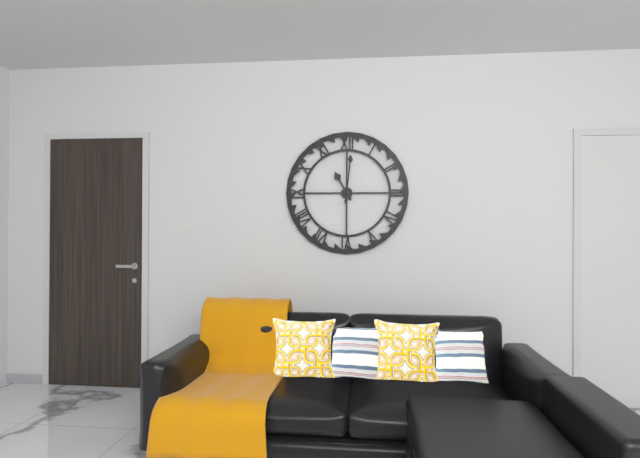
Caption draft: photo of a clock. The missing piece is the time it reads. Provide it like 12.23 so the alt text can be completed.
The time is 11.01
